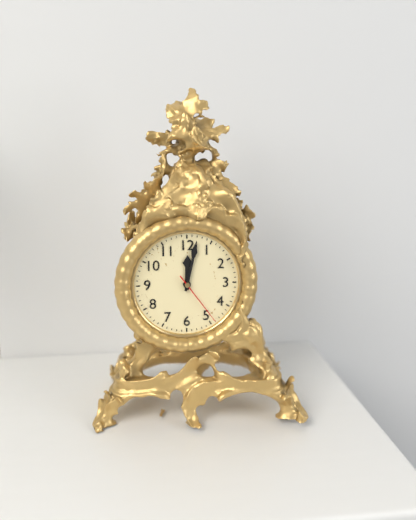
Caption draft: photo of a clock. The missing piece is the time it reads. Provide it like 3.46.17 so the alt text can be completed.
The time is 12.02.24
